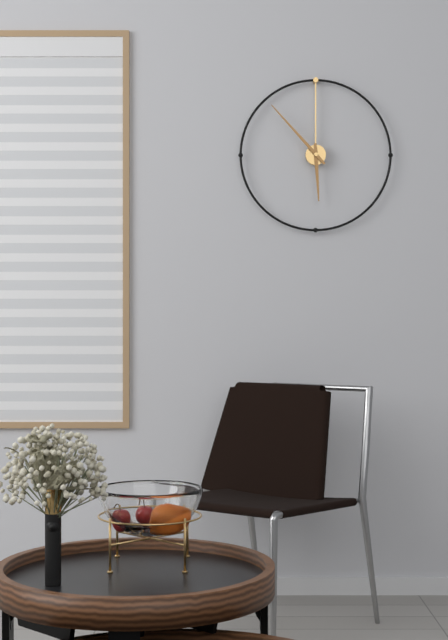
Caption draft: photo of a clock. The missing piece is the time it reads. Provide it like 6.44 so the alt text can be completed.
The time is 5.53
